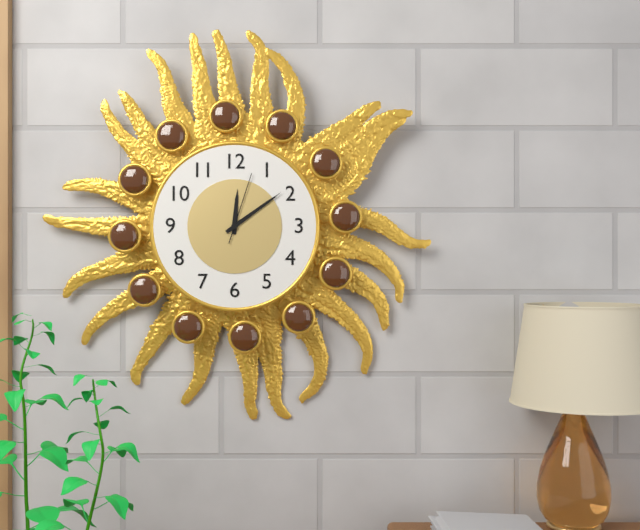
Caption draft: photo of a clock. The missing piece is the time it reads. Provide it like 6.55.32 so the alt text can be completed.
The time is 12.09.03
